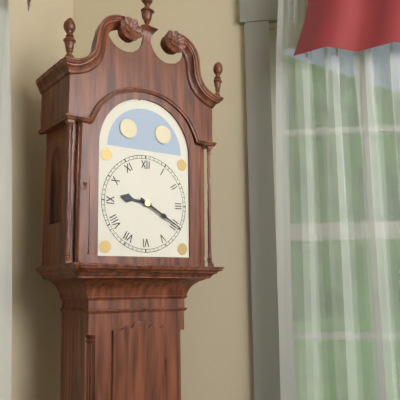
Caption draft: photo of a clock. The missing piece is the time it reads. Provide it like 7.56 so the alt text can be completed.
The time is 9.20
